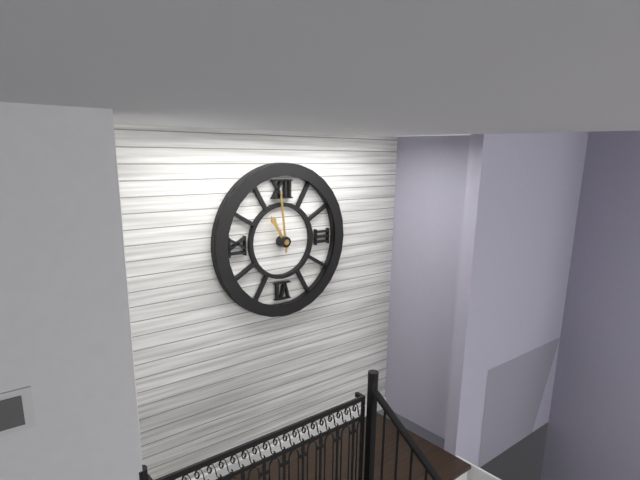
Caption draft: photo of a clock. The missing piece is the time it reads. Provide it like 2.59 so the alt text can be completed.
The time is 10.59
